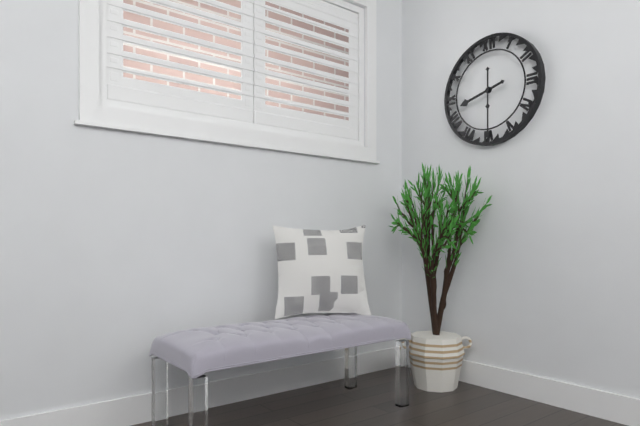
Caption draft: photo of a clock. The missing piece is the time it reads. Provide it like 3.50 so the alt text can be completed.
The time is 8.30
